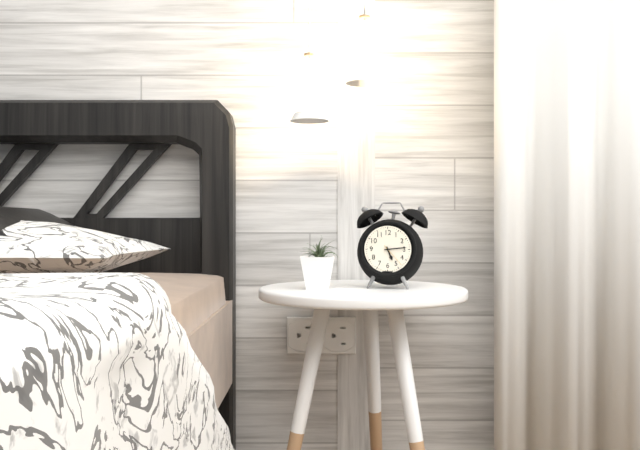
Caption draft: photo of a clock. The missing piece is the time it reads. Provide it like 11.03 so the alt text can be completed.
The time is 5.14
